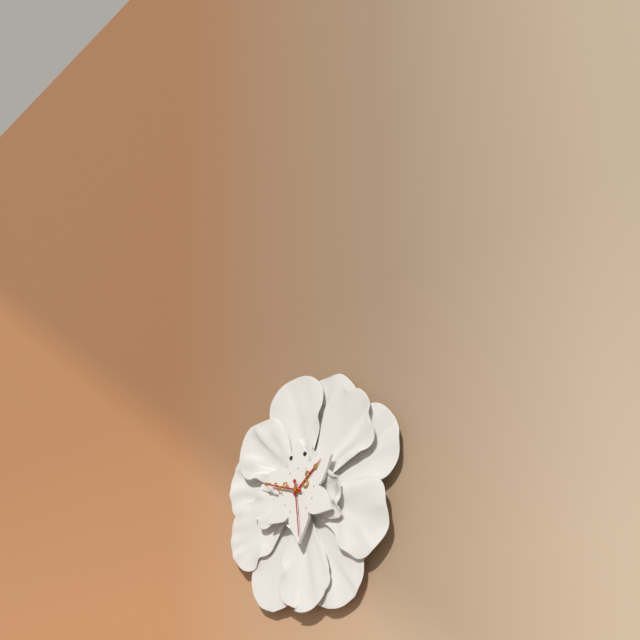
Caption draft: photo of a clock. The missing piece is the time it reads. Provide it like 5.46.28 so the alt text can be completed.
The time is 1.48.29
